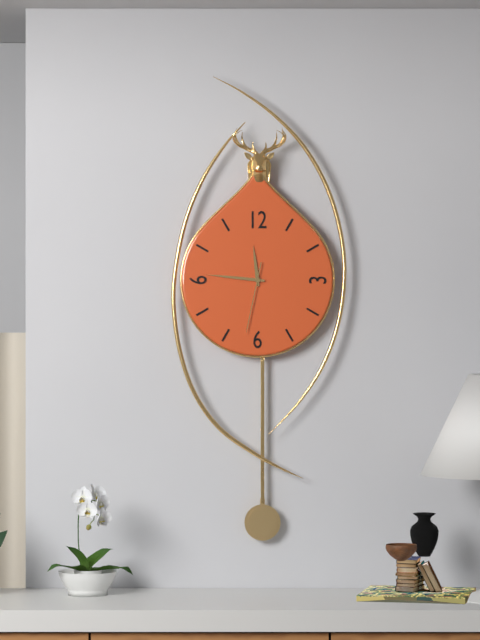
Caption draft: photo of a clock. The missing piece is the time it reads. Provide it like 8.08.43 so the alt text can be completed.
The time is 11.46.32
